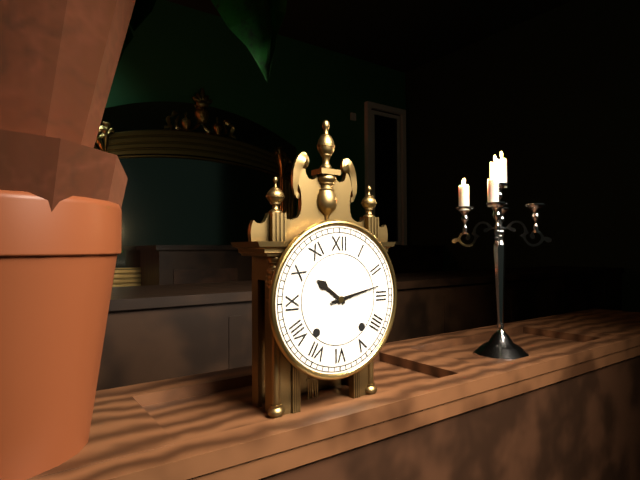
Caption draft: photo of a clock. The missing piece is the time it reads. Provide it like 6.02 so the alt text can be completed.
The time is 10.13
